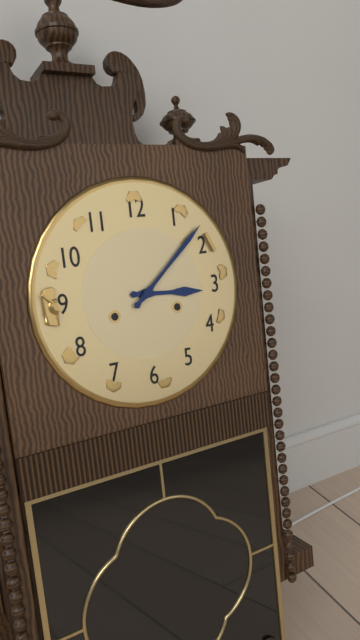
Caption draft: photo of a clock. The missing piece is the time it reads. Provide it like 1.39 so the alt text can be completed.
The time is 3.08
